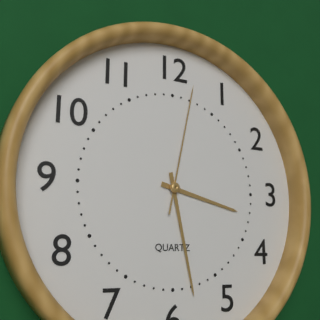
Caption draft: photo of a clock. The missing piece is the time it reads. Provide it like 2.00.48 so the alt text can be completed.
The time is 3.28.02
